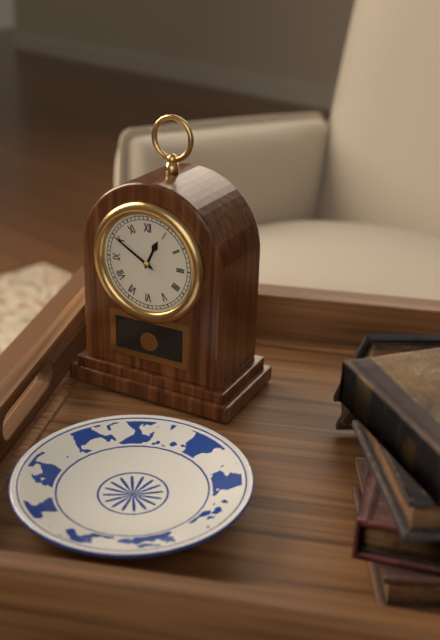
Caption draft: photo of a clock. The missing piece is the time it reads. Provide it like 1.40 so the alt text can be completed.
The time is 12.50
